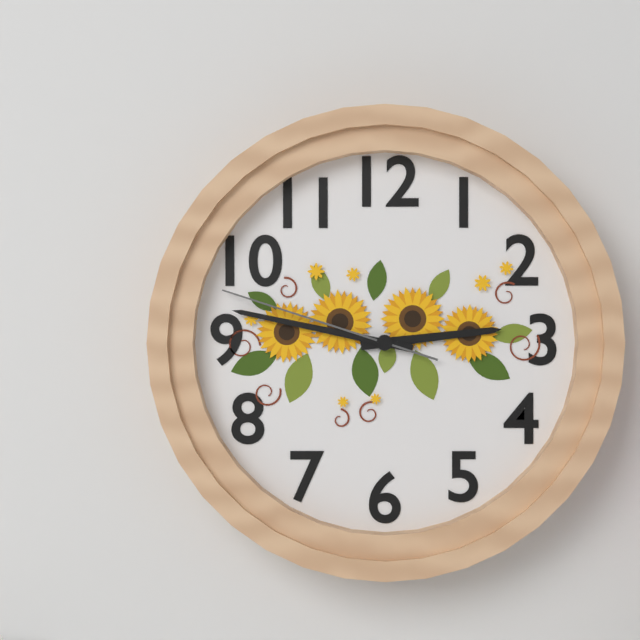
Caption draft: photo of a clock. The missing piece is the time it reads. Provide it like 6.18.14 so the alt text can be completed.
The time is 2.47.48
